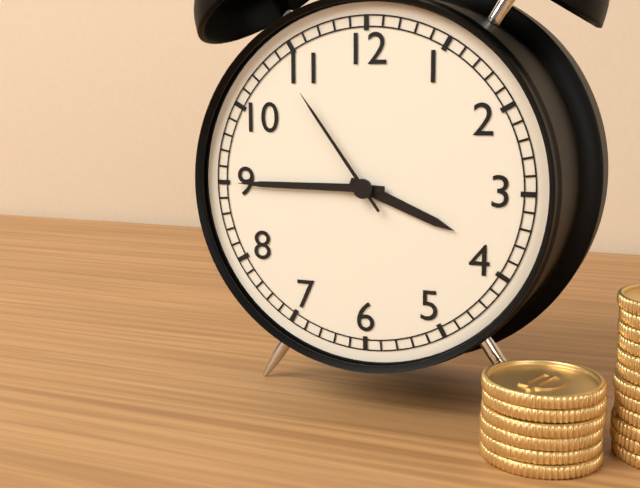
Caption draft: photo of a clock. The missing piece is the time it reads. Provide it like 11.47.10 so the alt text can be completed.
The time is 3.45.54
